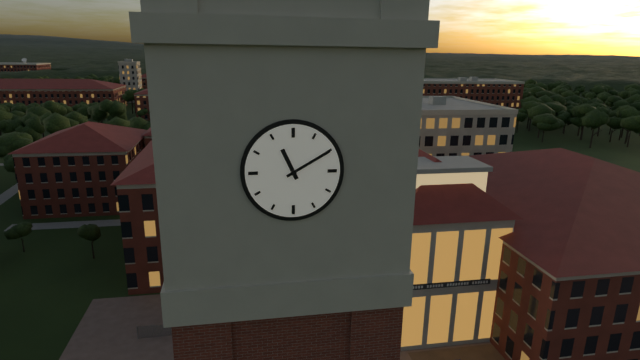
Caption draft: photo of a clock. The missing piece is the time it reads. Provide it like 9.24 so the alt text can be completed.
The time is 11.10
